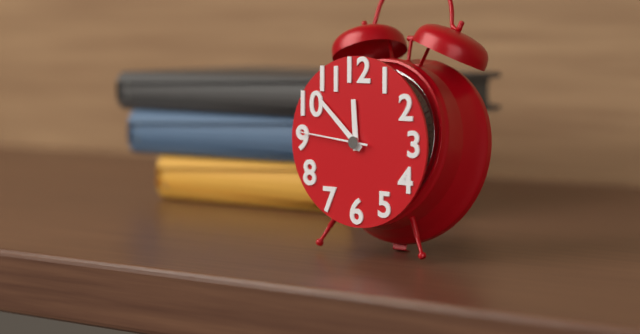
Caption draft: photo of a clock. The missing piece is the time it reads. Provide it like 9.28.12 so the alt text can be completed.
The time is 11.52.46
